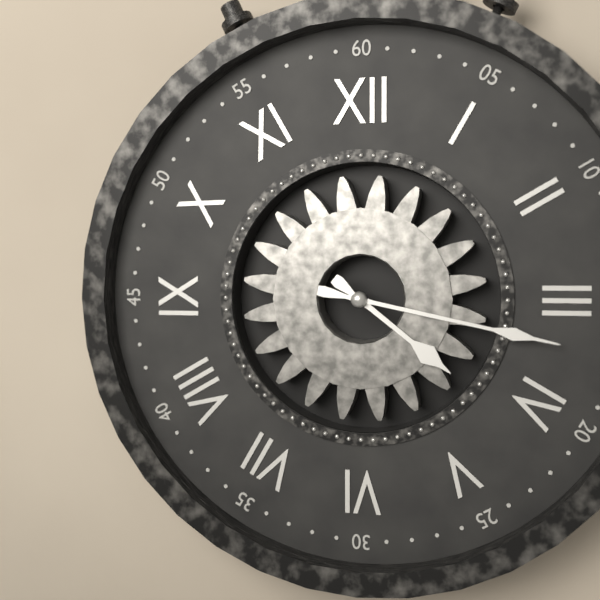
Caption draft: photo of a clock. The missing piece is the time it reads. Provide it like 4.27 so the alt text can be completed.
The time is 4.17
